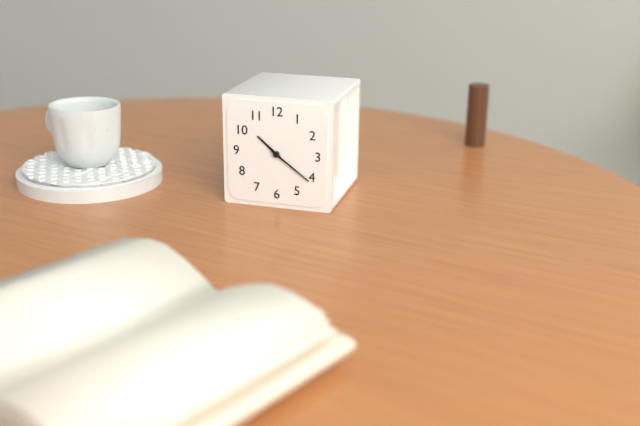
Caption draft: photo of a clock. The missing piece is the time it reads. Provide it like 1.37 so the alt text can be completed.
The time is 10.21
